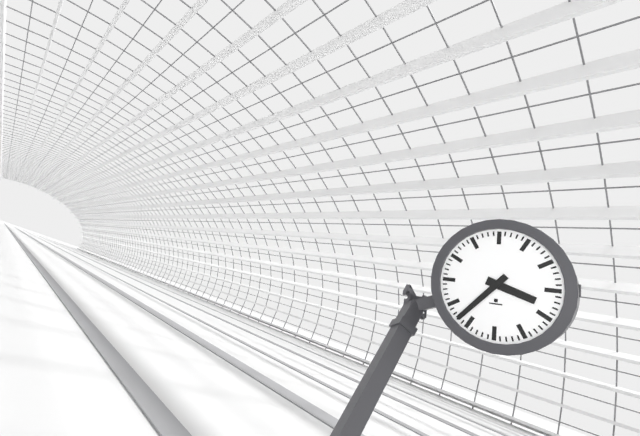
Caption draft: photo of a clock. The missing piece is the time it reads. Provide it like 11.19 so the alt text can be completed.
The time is 3.37
